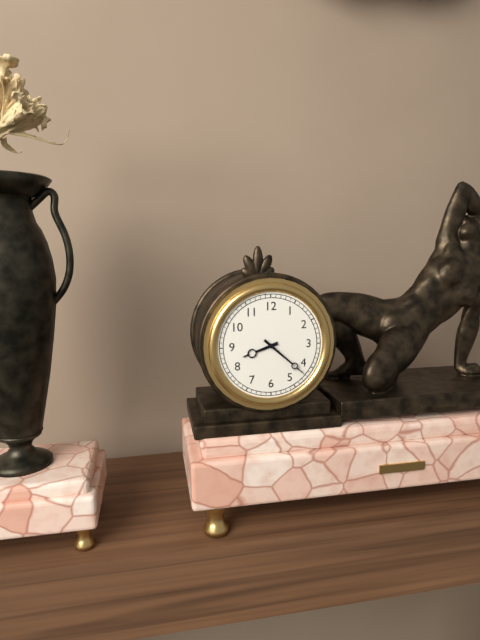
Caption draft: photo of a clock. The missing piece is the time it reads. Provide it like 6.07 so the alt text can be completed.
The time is 8.22
